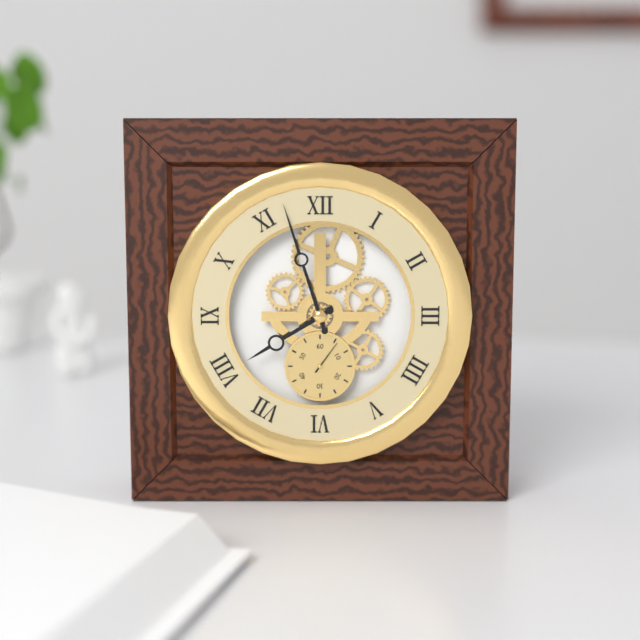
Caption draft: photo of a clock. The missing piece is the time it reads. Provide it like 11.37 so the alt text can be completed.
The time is 7.57
